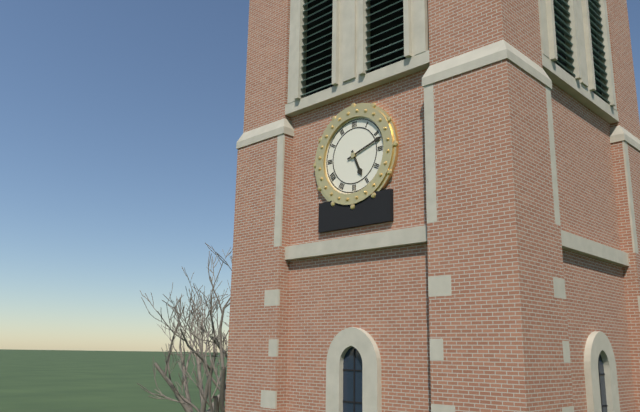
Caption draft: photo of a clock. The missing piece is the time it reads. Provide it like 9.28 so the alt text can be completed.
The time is 5.12
